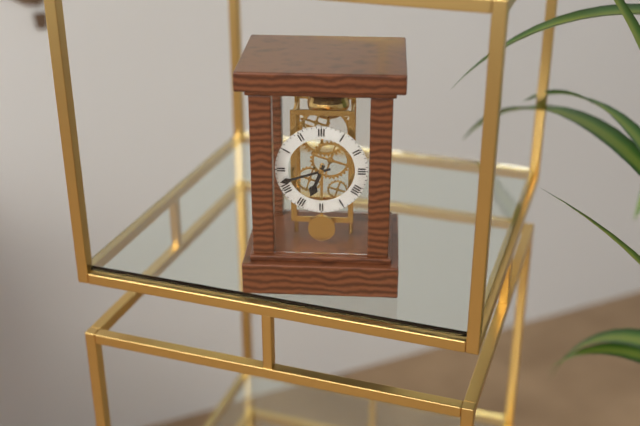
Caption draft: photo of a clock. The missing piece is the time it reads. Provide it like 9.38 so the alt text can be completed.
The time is 6.42
